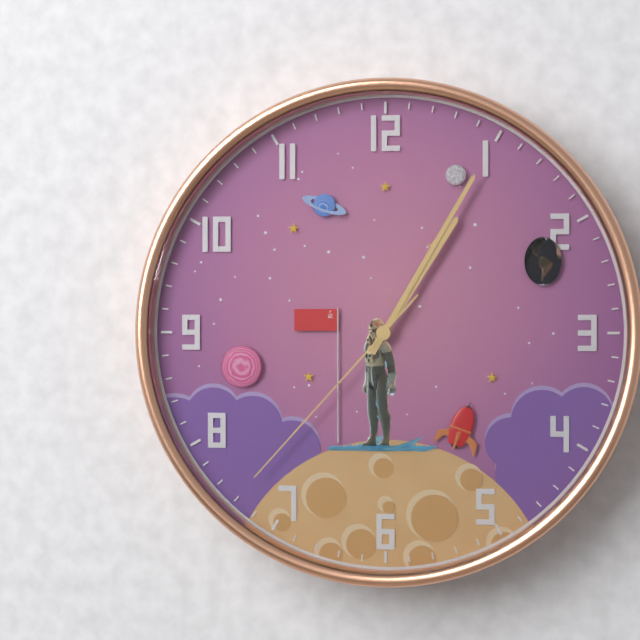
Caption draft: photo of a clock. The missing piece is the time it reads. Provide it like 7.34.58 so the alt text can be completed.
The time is 1.05.37
